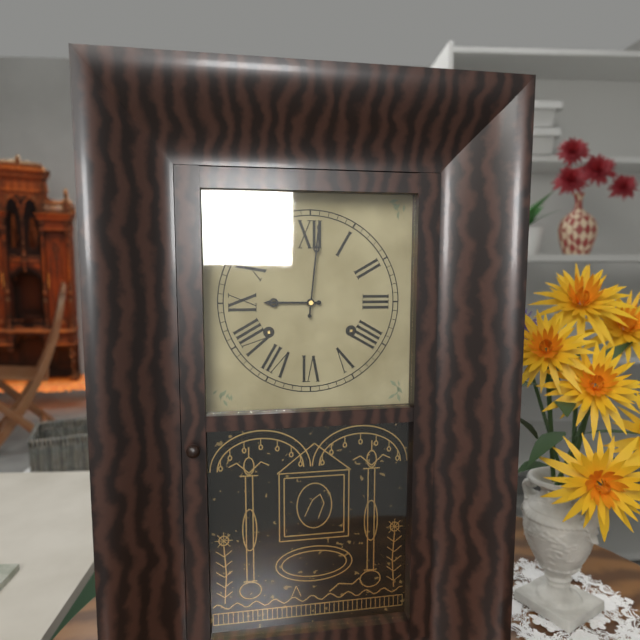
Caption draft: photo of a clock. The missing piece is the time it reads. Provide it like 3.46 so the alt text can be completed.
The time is 9.01
